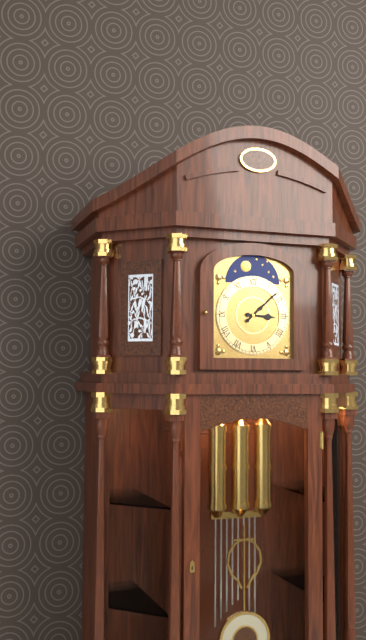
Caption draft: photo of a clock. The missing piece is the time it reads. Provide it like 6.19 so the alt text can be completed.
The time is 3.08
